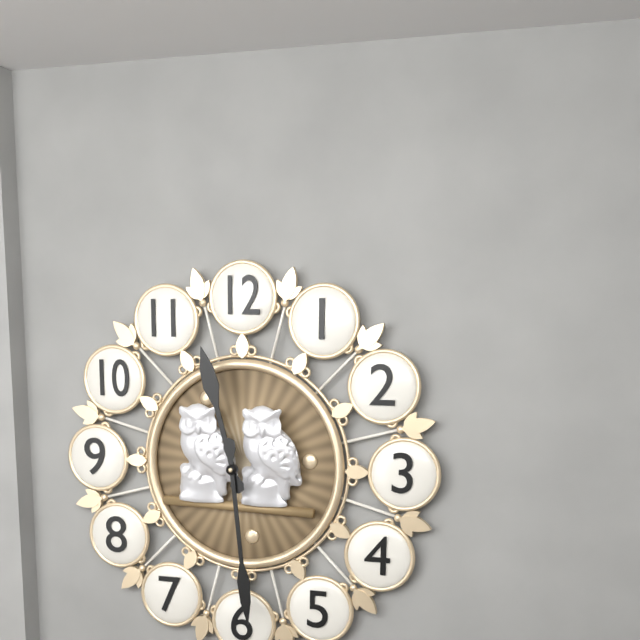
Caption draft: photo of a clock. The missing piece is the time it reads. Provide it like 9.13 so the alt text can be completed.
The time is 11.29
